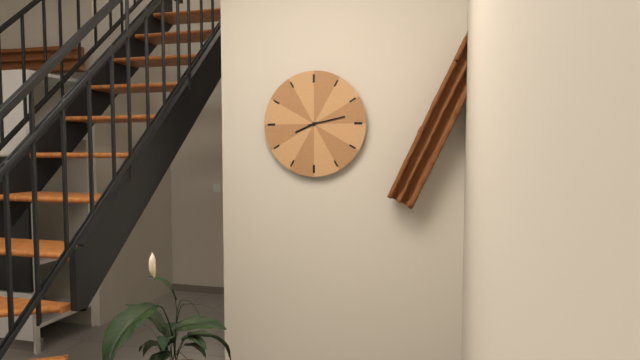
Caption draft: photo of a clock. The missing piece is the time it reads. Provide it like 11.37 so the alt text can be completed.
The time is 8.13
